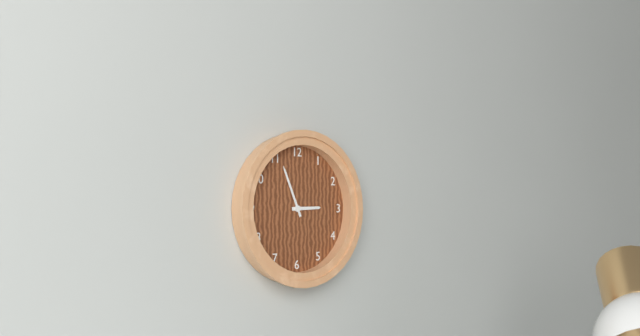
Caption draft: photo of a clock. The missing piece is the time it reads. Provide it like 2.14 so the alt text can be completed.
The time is 2.56
